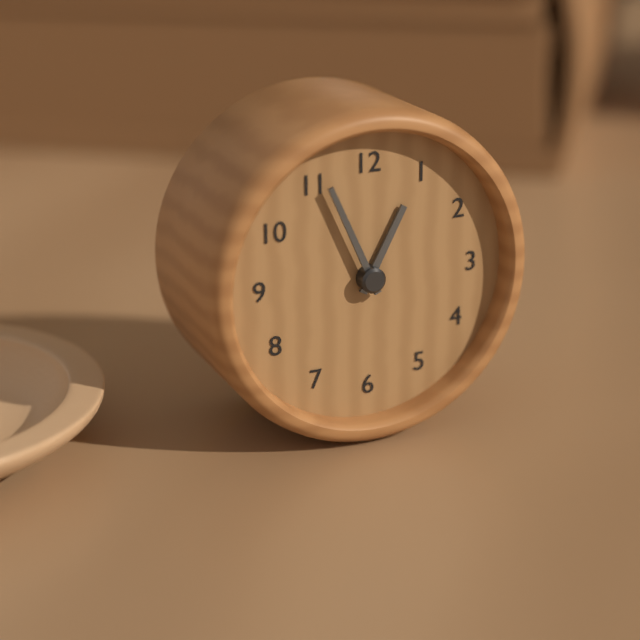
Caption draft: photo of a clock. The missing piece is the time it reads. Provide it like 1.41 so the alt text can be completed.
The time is 12.56
